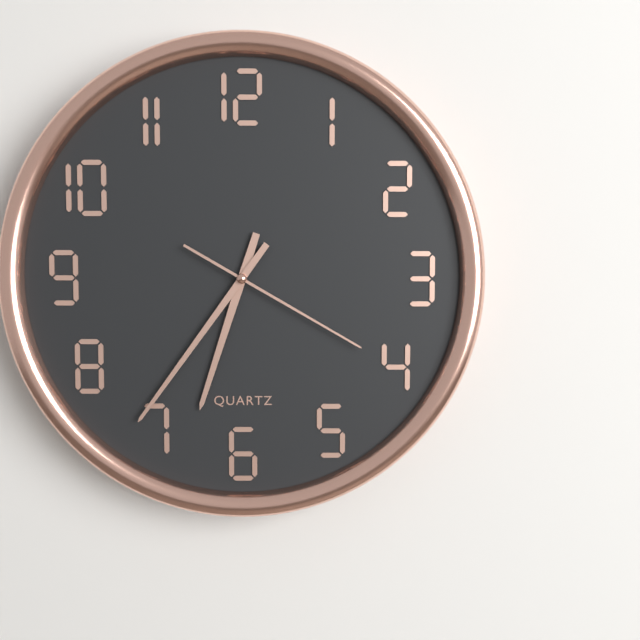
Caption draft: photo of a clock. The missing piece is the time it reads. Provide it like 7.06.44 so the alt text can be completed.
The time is 6.36.20
